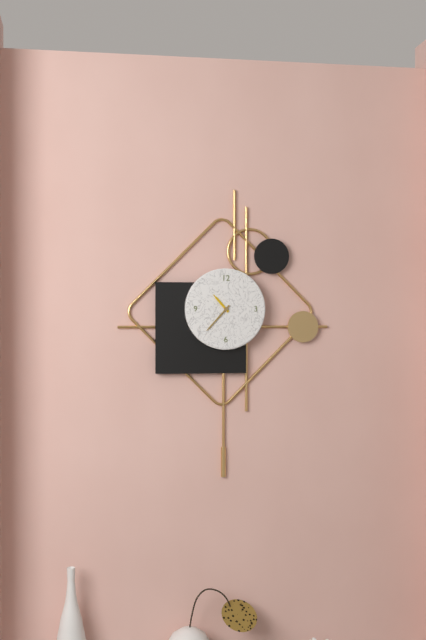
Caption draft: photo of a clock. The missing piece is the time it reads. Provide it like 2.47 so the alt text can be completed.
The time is 10.37
